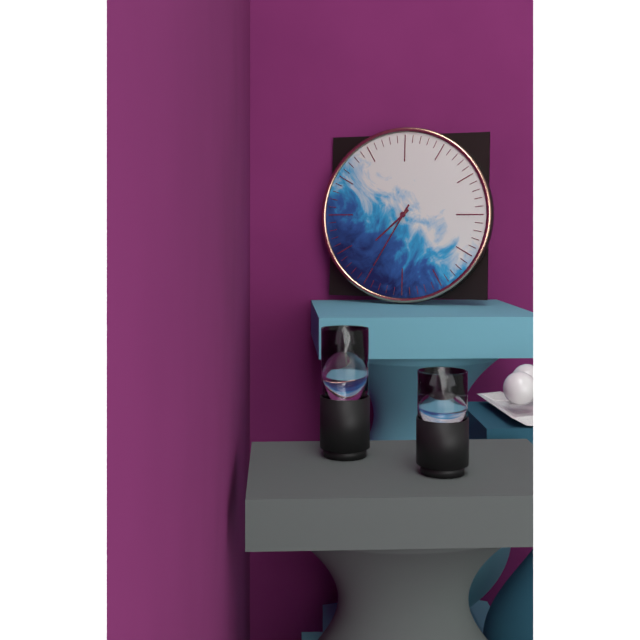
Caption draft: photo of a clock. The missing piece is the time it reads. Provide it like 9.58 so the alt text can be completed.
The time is 7.35
